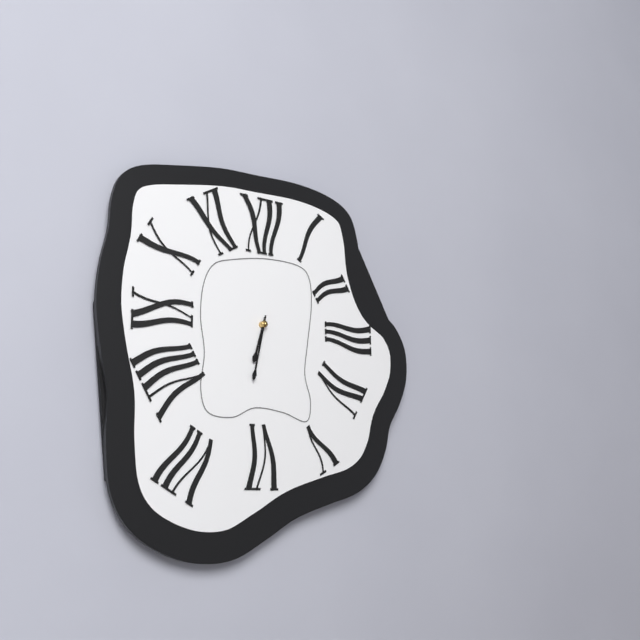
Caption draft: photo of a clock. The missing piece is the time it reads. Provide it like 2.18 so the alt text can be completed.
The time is 6.32
